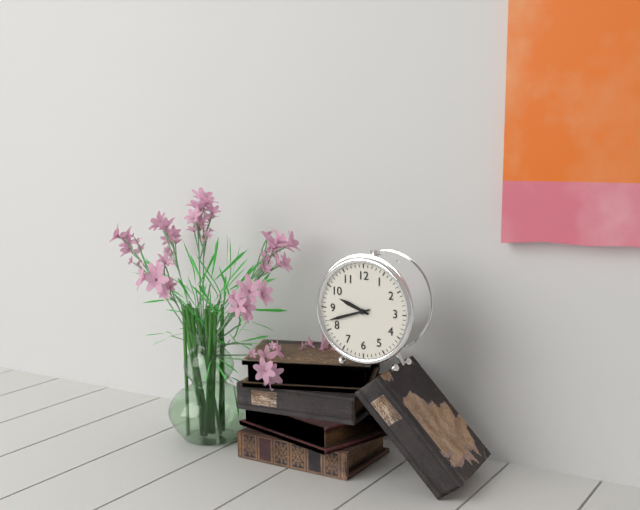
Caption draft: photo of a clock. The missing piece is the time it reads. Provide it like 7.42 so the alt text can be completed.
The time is 9.42
